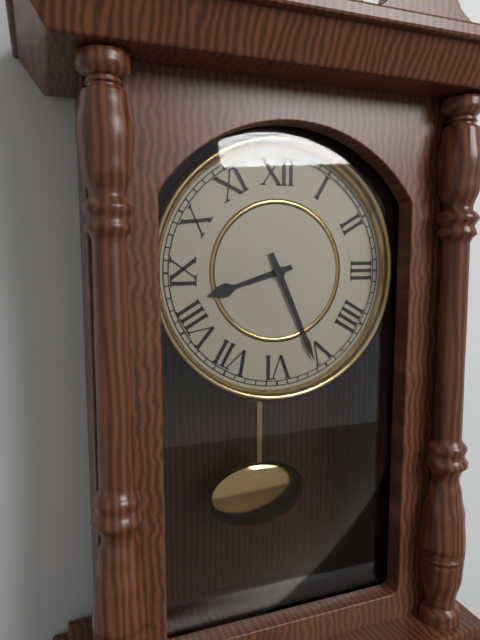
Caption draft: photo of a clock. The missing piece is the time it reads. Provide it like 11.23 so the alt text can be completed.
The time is 8.26
